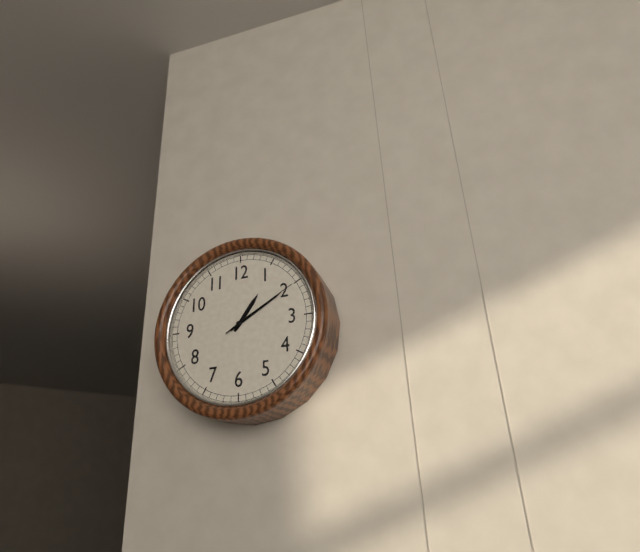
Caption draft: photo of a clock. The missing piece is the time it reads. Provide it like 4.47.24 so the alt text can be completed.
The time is 1.10.10
